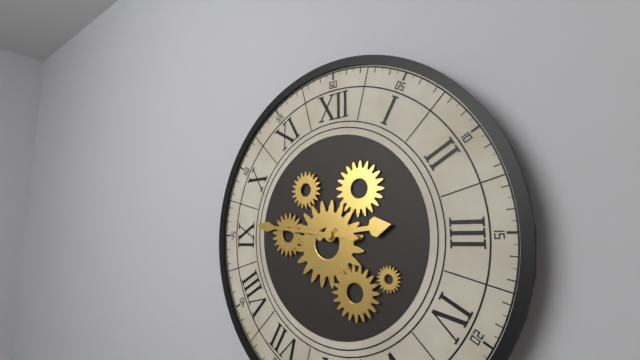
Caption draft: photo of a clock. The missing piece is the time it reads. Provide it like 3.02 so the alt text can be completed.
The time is 2.46
